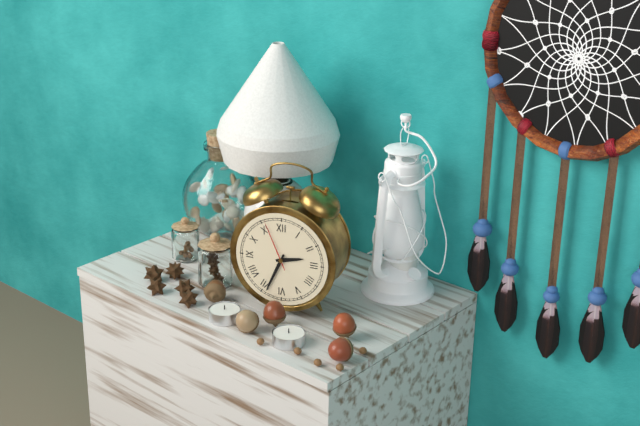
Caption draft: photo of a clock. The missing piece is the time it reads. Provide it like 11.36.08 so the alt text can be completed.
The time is 2.34.56
